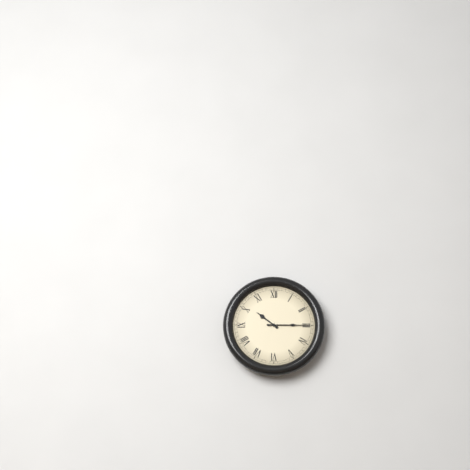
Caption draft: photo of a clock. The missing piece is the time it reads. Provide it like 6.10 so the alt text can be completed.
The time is 10.15
